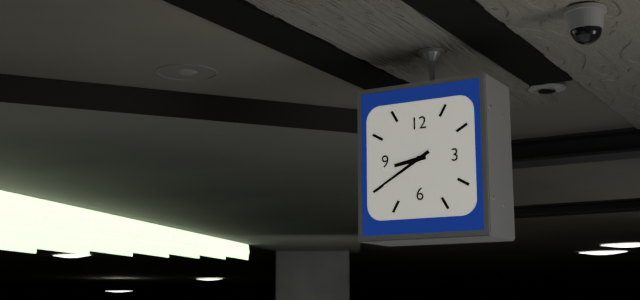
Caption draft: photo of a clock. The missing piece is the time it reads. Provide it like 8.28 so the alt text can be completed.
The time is 8.40
